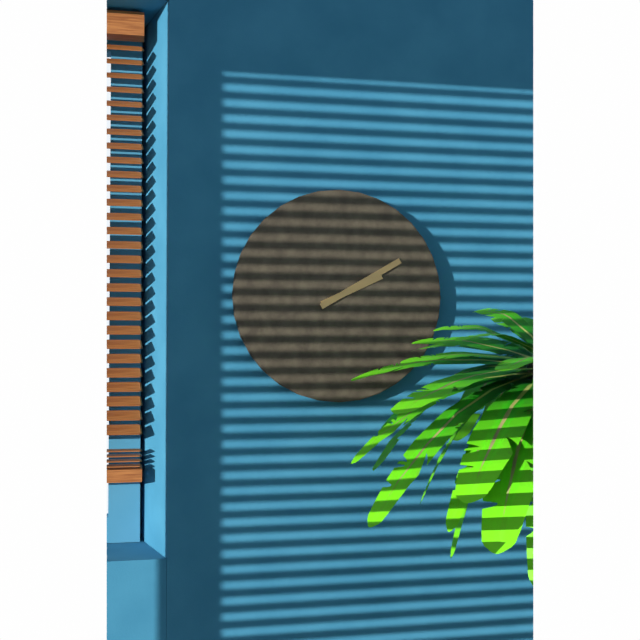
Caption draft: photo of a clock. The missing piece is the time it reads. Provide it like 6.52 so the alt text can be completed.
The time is 2.10
